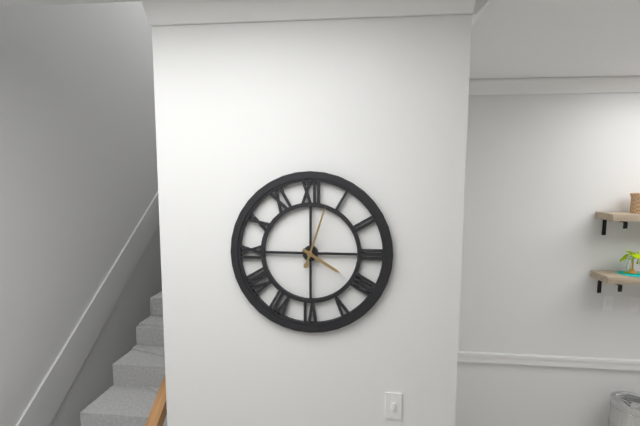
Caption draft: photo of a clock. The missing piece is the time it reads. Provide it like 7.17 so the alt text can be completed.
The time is 4.03
